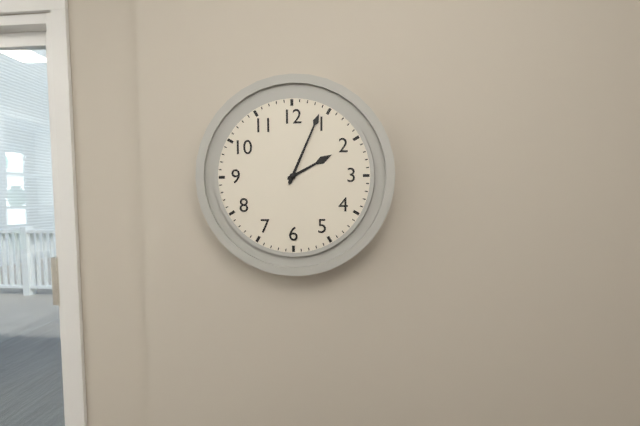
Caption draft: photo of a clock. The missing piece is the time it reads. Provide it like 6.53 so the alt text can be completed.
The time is 2.04
